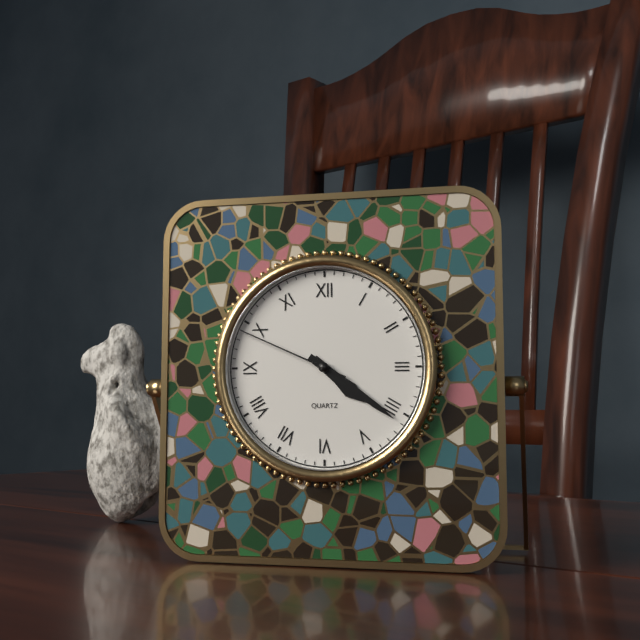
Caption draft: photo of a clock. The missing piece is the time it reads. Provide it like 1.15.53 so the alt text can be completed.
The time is 4.21.49
